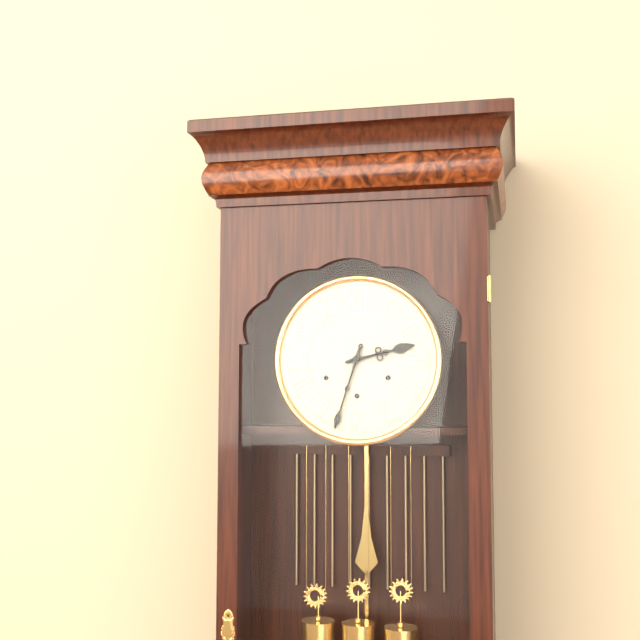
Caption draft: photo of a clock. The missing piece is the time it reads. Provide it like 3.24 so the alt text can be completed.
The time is 2.33
